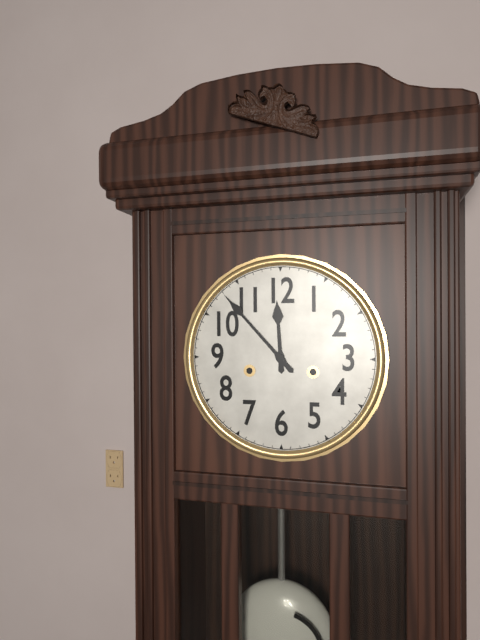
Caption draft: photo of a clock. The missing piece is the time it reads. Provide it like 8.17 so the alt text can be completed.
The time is 11.53
